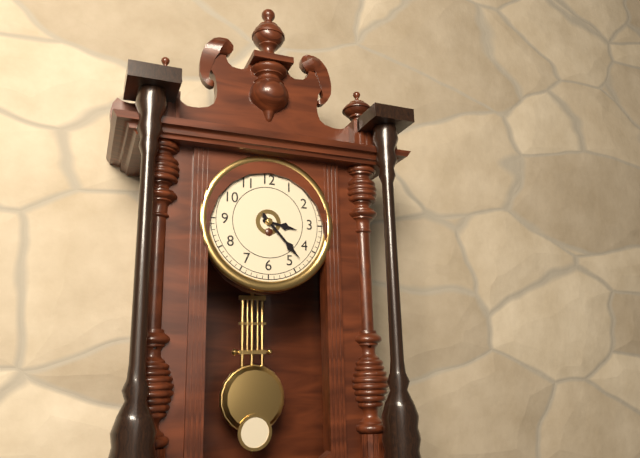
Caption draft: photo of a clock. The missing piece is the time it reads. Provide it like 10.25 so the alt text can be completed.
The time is 3.23
